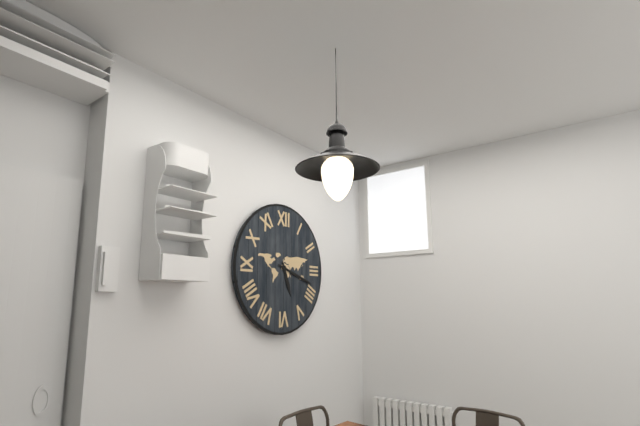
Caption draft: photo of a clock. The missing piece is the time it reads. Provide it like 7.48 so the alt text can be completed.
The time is 5.18
